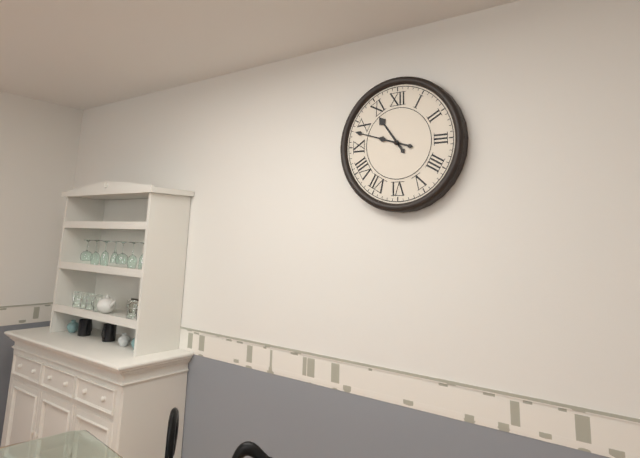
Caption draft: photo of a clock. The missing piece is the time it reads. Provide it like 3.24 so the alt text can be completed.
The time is 10.48
